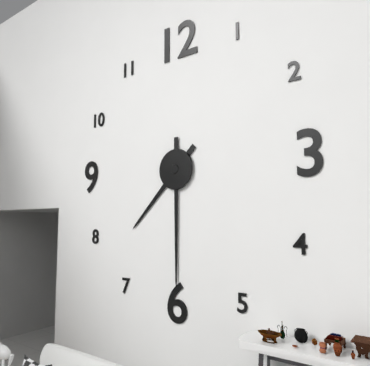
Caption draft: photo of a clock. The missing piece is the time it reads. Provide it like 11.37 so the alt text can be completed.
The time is 7.30
